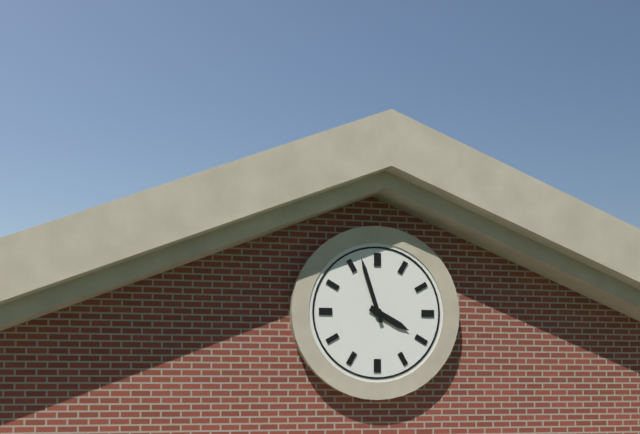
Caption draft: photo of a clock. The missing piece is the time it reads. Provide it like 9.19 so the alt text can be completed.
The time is 3.57
